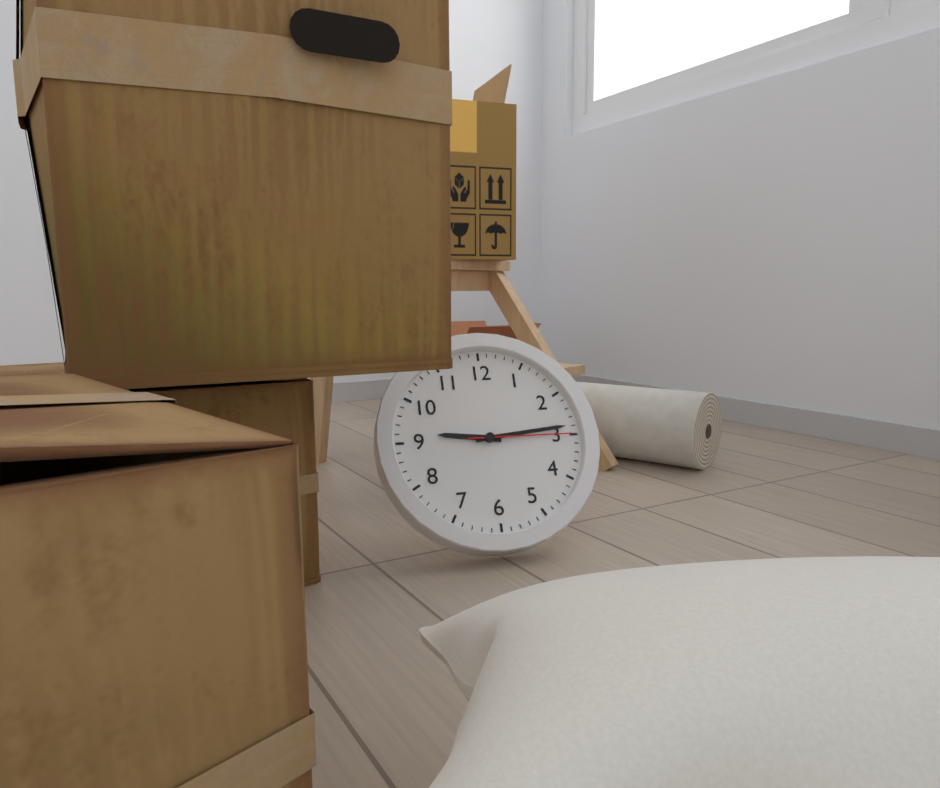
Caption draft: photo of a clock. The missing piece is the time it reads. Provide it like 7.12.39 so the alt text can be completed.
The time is 9.14.15
